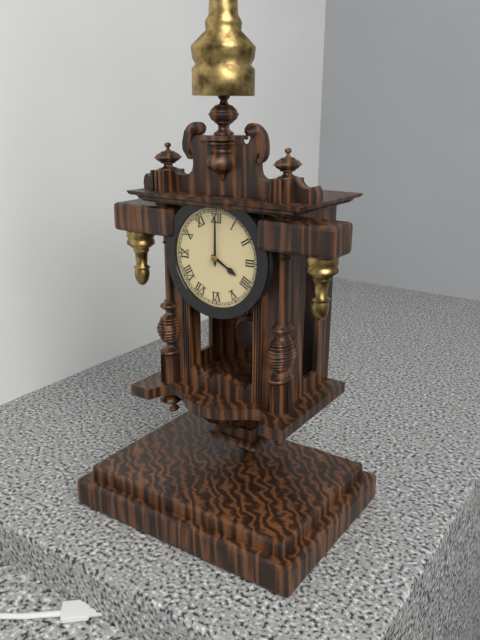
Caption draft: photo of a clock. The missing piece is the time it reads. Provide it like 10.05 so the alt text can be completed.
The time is 4.00
